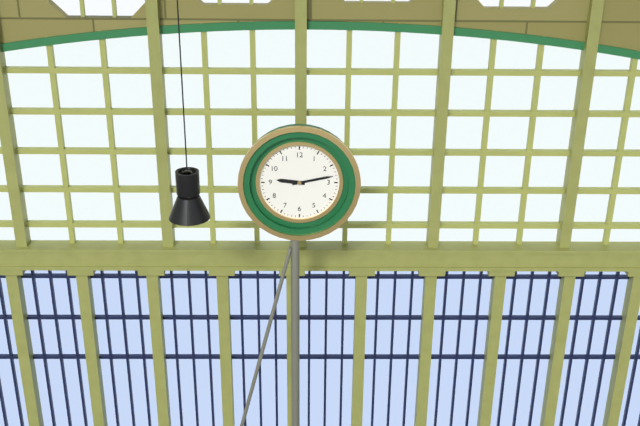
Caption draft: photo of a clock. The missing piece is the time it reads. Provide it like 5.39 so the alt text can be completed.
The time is 9.13
